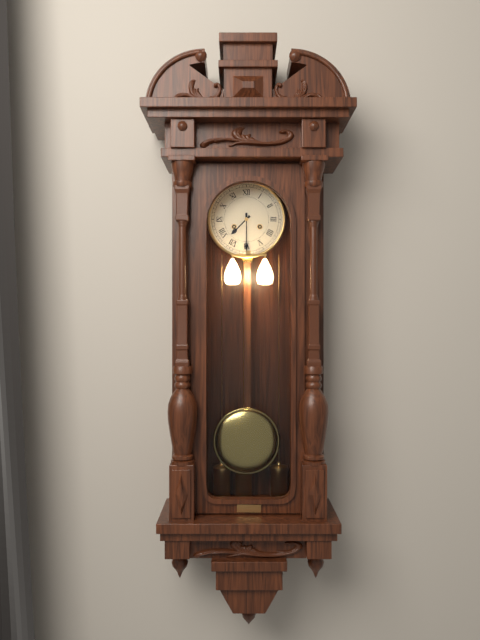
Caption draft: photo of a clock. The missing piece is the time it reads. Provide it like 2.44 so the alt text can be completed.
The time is 7.30
